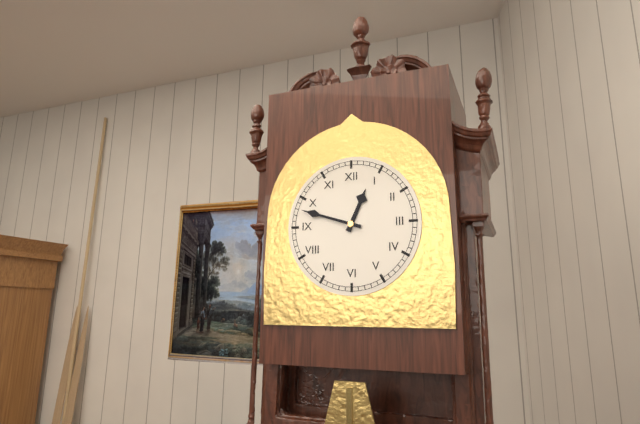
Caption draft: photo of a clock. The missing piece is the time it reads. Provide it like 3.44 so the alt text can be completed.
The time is 12.48
